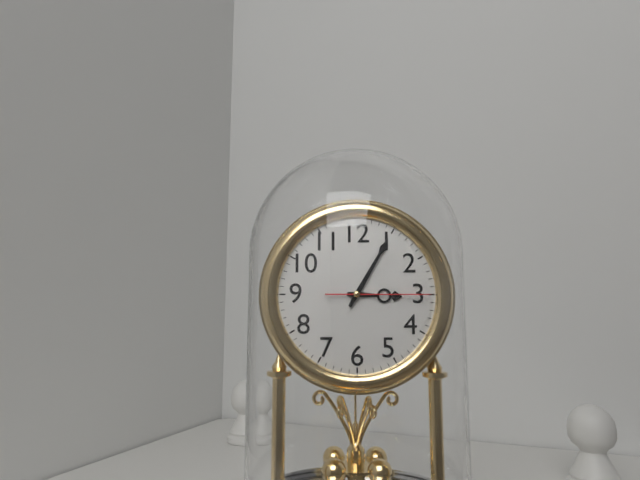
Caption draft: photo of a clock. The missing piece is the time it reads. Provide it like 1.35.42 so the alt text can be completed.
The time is 3.05.15
